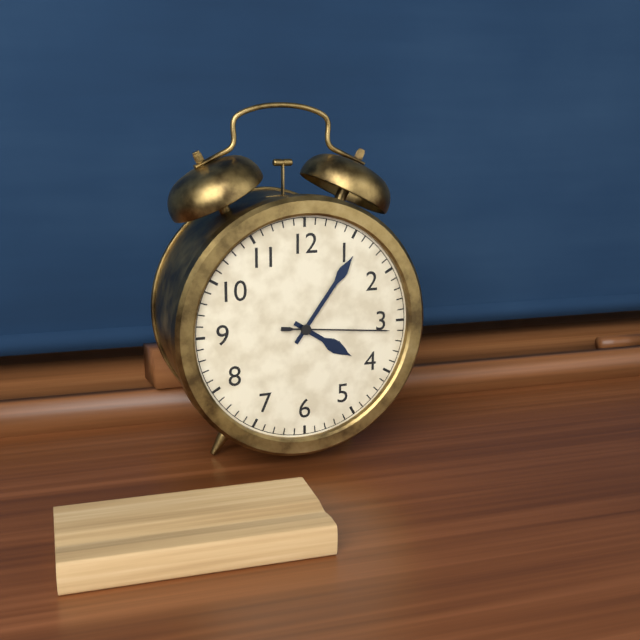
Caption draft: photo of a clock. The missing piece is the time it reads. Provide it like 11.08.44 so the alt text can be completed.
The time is 4.06.16
